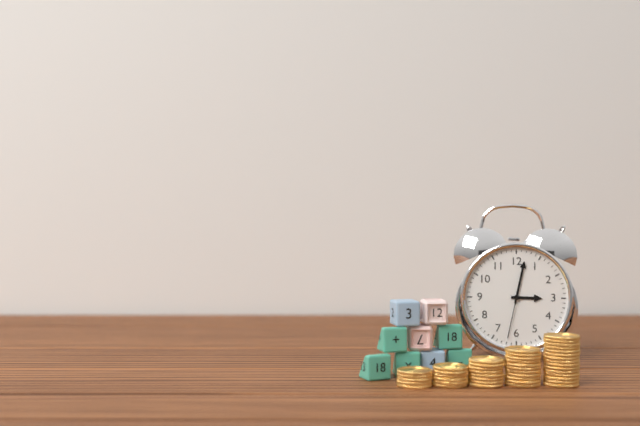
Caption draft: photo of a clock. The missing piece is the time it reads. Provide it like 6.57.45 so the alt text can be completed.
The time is 3.02.32
